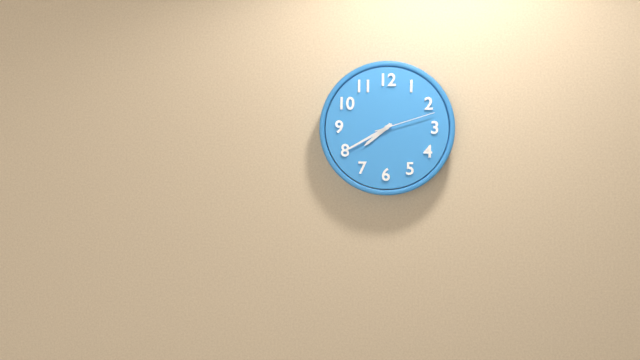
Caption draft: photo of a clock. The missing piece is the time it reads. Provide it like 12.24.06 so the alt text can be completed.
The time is 7.40.12
